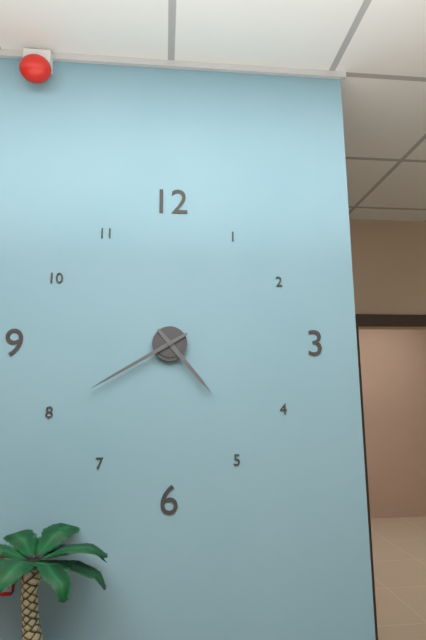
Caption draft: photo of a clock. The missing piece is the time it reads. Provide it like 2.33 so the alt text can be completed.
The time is 4.40
